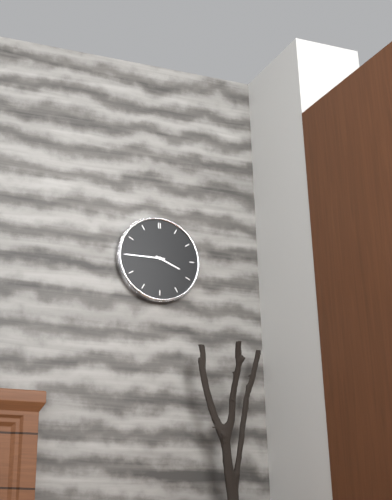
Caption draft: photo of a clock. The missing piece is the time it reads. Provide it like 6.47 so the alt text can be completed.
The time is 3.45
